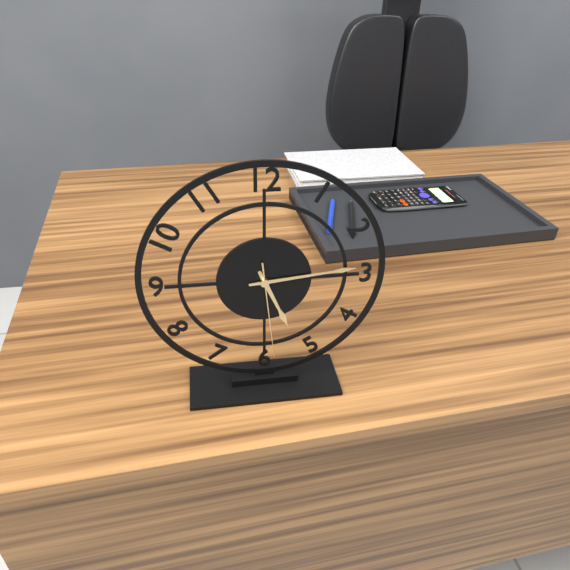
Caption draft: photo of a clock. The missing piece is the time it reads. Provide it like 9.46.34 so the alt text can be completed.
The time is 5.14.29
